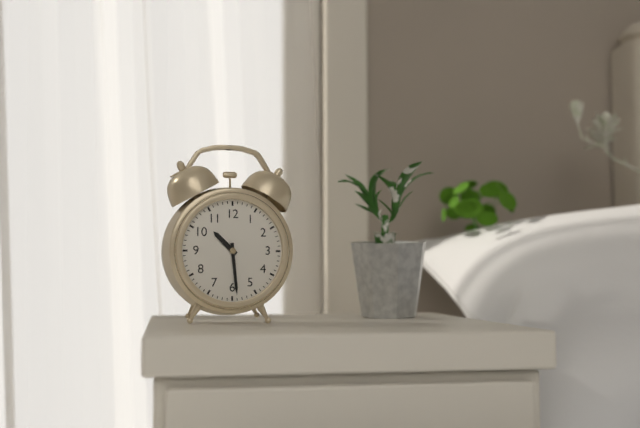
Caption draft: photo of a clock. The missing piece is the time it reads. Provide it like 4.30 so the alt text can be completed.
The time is 10.29
